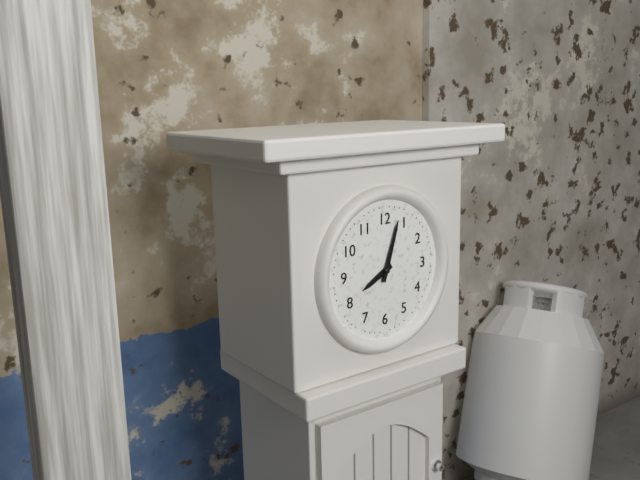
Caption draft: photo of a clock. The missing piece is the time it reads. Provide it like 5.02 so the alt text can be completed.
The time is 8.03
